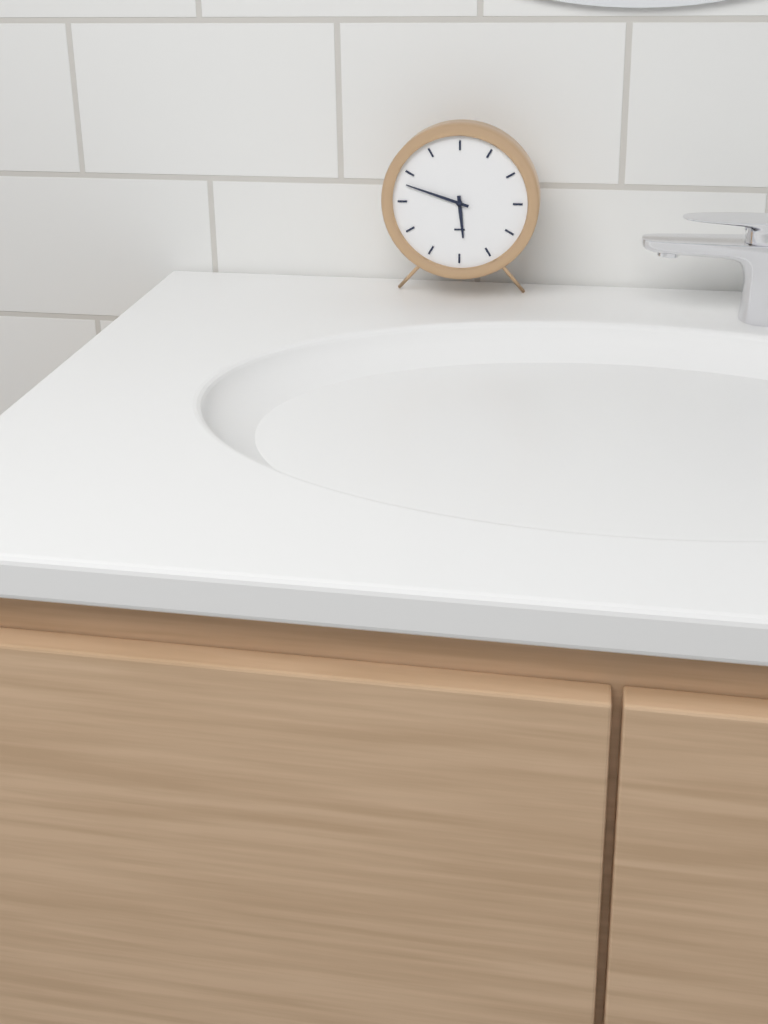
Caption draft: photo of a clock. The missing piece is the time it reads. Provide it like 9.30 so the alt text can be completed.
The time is 5.48
